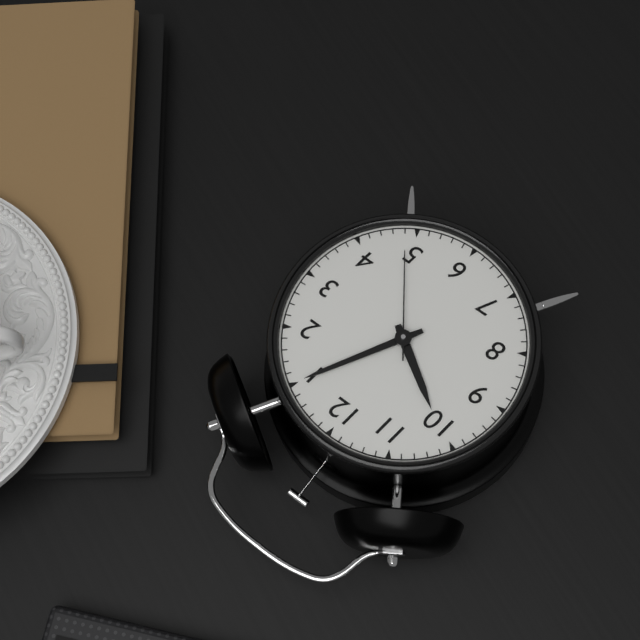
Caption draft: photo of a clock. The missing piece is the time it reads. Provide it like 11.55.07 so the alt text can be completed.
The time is 10.05.24
